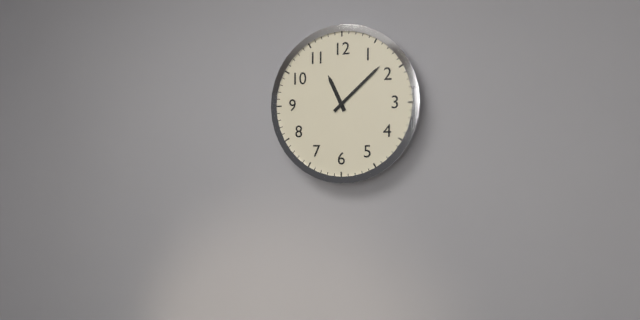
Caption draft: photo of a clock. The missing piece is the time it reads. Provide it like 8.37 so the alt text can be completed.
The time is 11.08
